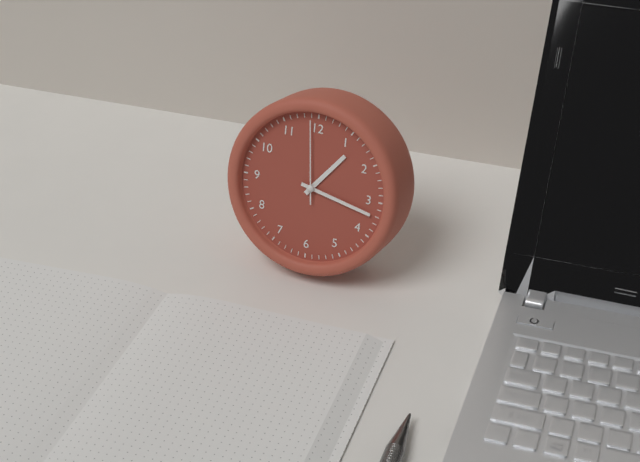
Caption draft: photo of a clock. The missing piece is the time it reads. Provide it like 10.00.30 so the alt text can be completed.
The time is 1.17.59
